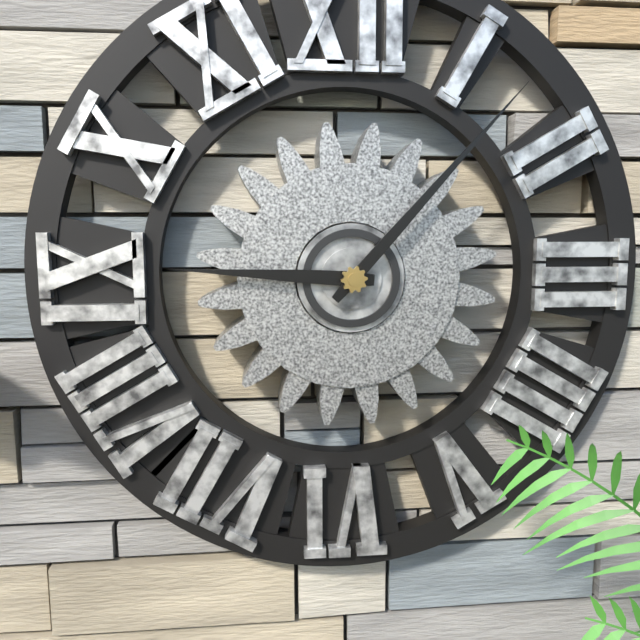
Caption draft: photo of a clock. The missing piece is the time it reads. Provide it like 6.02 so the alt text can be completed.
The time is 9.07
